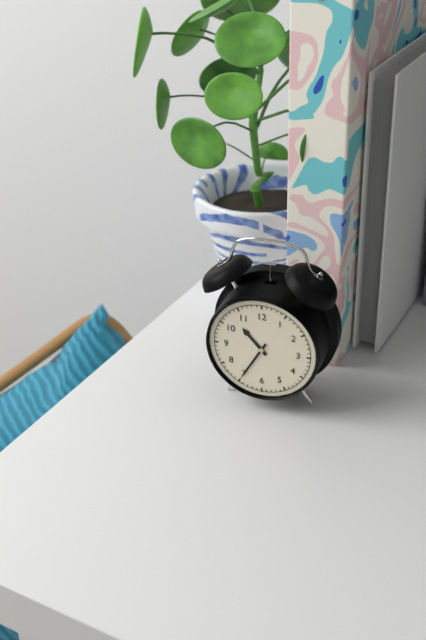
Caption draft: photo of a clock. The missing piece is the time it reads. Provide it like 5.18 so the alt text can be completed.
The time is 10.35
